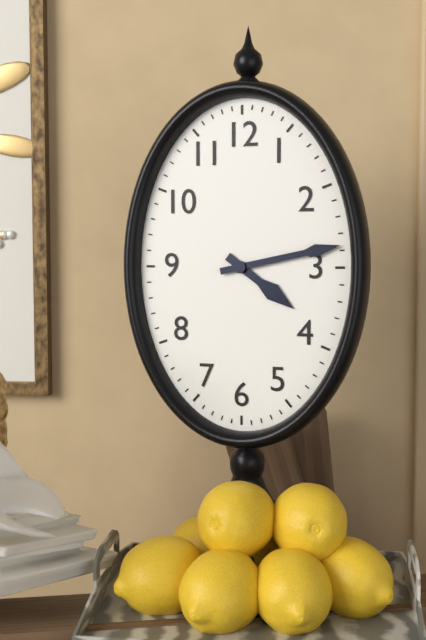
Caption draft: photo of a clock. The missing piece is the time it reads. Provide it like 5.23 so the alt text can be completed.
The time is 4.13
